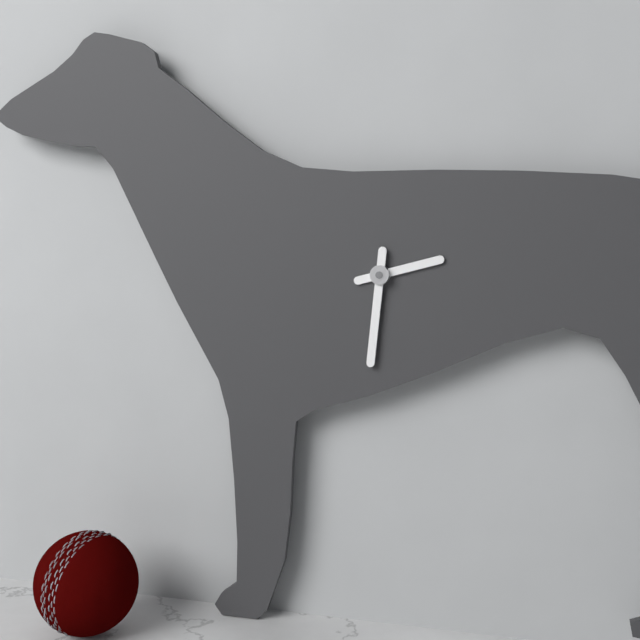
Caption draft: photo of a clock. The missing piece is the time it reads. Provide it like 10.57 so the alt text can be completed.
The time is 2.31
